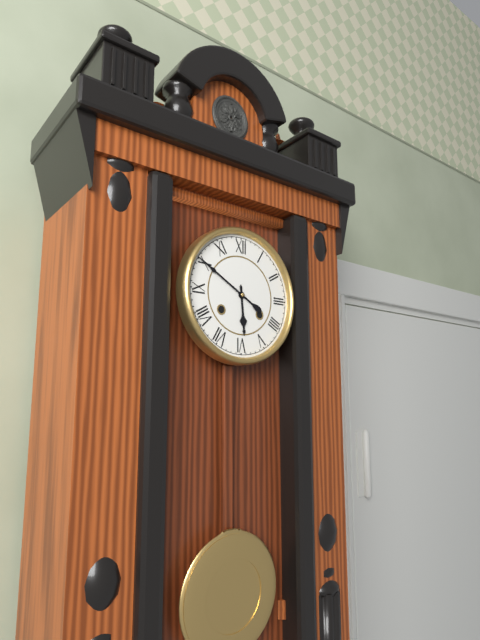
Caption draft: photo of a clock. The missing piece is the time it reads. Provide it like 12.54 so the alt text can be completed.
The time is 5.50
